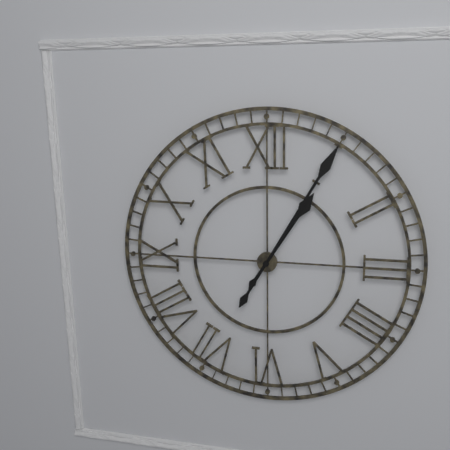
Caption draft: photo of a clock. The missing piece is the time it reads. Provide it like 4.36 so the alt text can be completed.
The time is 1.05
